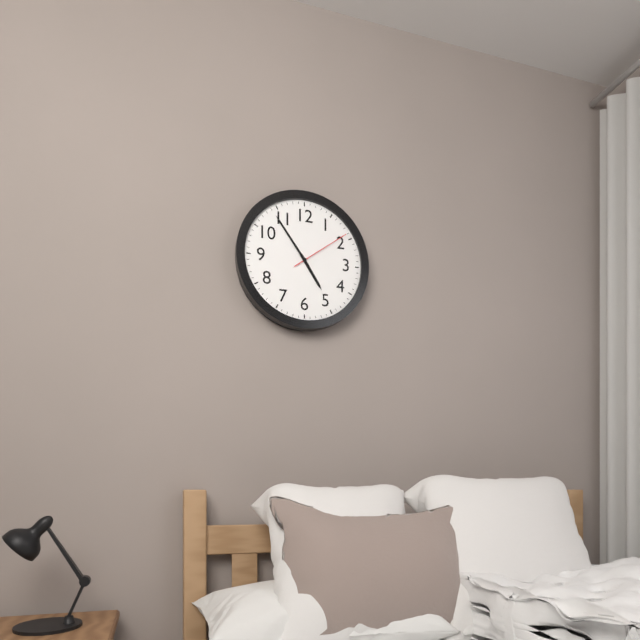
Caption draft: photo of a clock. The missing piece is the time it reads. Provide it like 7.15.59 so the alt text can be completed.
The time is 4.54.09
